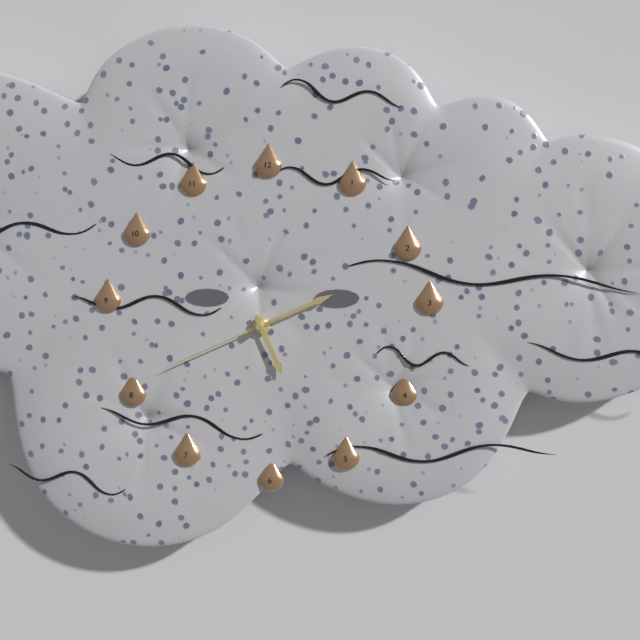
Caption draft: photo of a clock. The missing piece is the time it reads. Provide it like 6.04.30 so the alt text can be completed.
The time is 5.11.41
